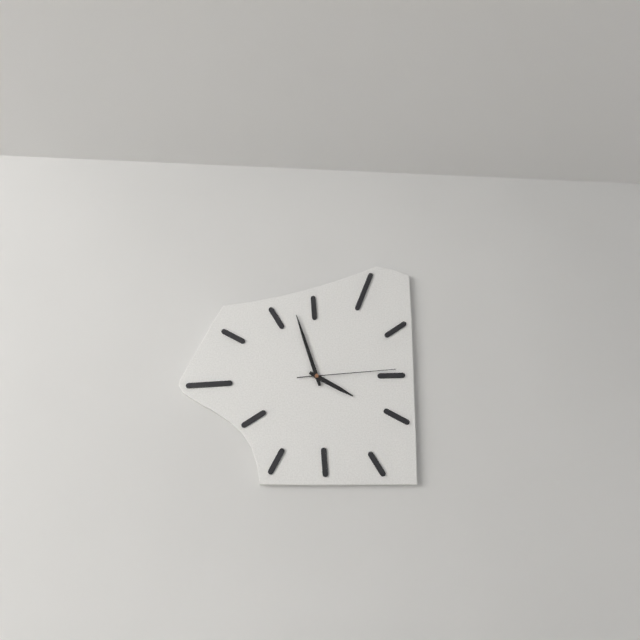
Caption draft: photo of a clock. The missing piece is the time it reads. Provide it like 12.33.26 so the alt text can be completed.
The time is 3.57.14
